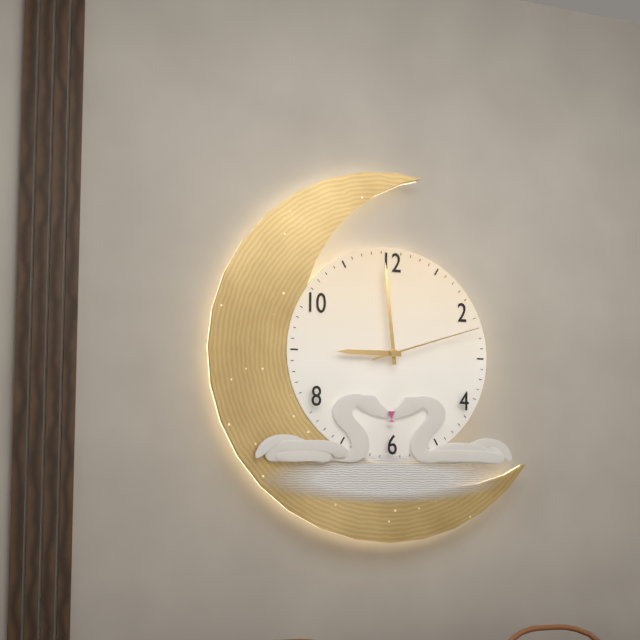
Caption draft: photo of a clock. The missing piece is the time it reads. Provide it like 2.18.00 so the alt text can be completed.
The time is 8.59.12
